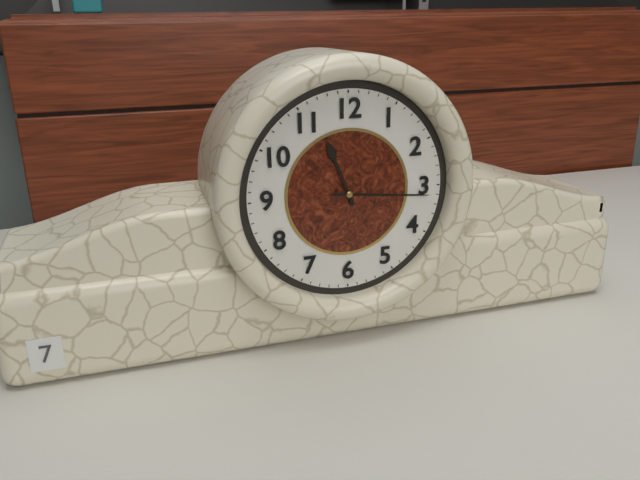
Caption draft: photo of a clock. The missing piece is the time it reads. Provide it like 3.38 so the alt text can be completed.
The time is 11.16
